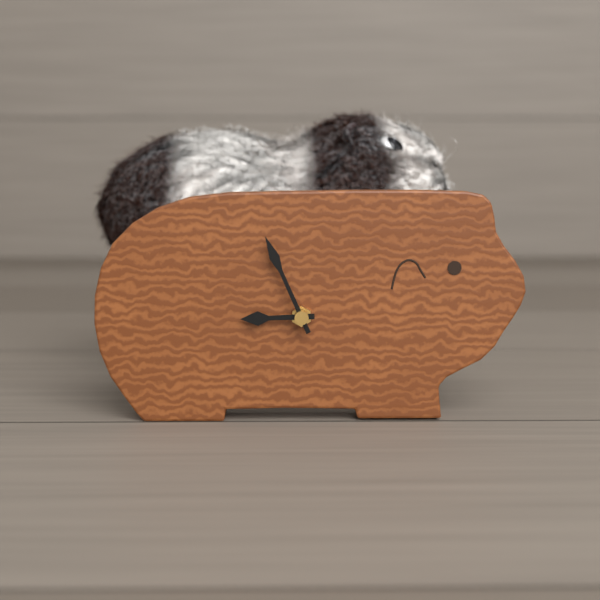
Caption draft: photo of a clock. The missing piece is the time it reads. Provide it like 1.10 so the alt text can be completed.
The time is 8.56
